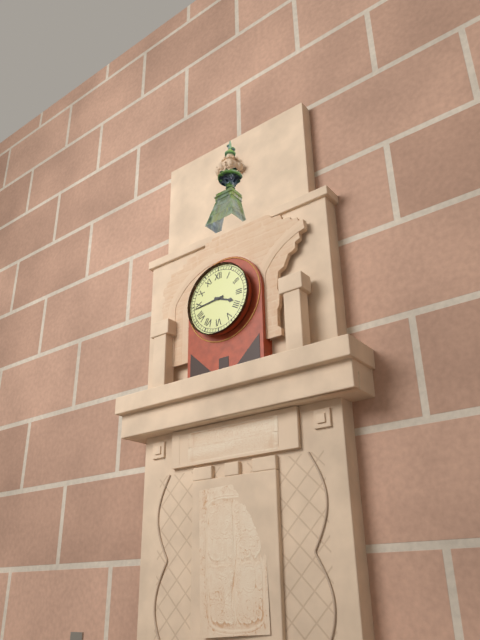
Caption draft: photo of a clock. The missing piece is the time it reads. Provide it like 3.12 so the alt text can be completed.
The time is 3.44
